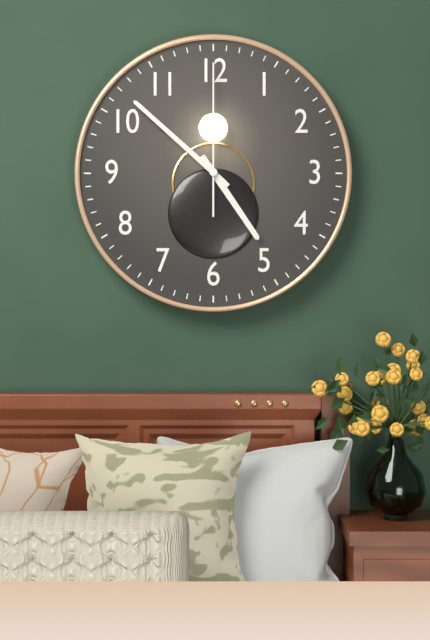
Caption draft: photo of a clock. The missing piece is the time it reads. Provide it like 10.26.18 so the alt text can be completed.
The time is 4.52.00
